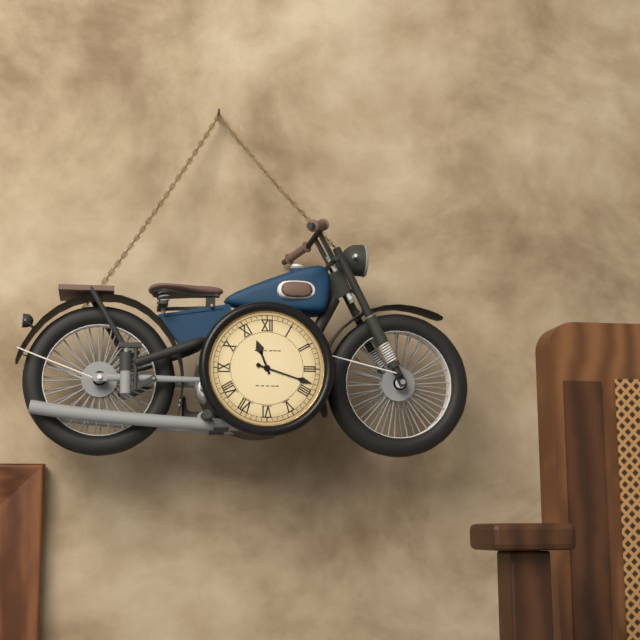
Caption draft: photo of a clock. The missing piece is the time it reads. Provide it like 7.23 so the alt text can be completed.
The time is 11.18
